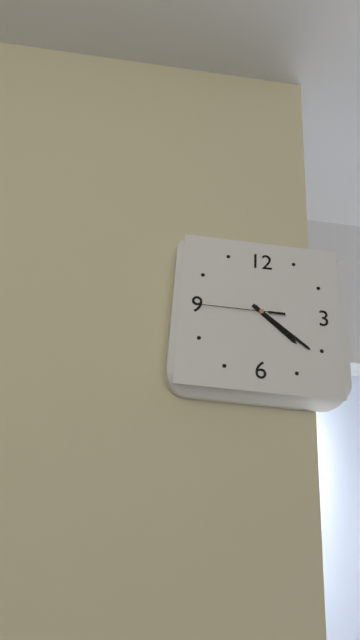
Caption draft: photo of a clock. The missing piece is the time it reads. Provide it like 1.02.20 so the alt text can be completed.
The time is 4.21.45
